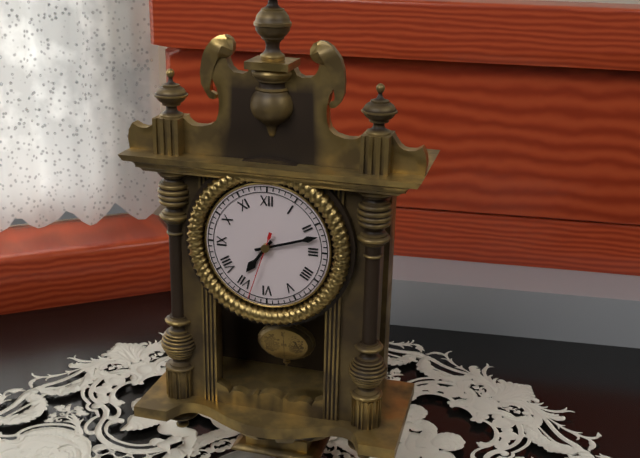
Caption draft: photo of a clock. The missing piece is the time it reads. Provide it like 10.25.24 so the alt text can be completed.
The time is 7.12.33
